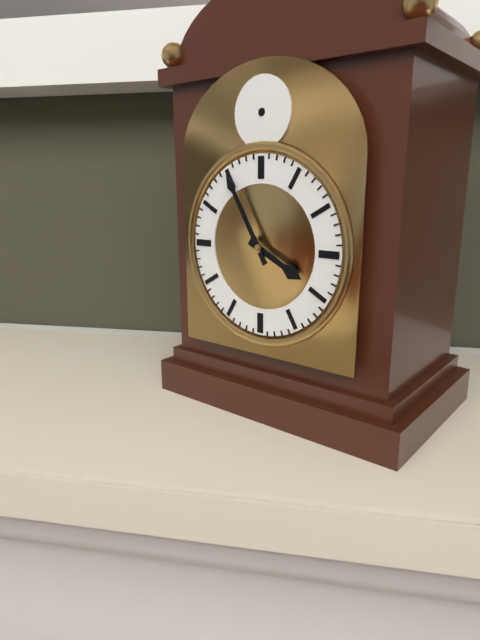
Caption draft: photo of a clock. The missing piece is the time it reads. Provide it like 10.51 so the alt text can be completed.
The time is 3.55
